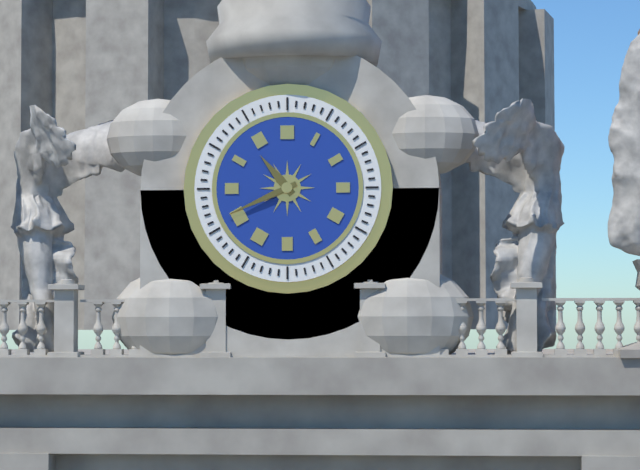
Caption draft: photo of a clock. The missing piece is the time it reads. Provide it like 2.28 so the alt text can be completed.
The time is 10.41
